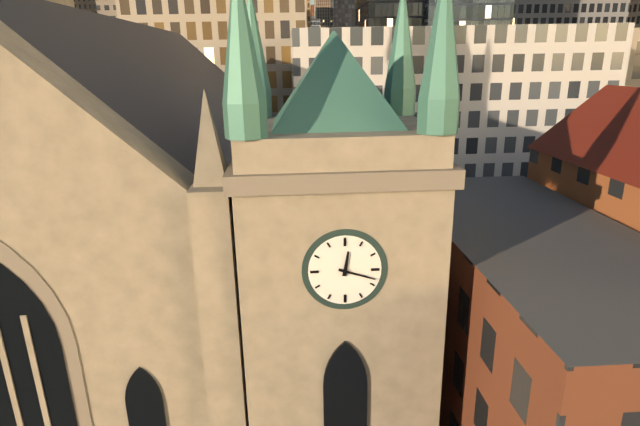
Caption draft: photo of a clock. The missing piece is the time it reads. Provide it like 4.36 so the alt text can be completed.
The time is 12.18
